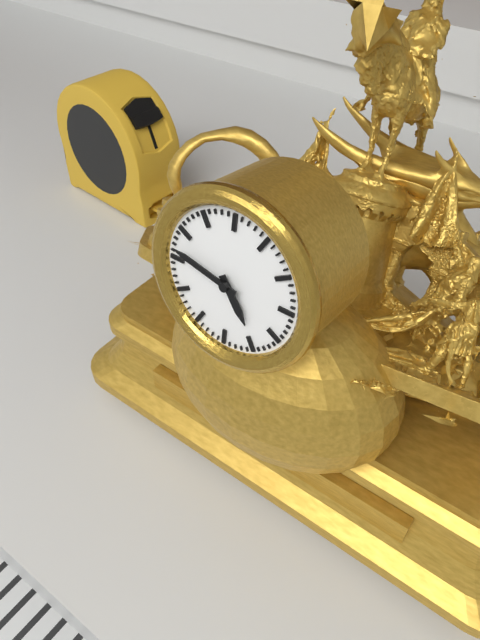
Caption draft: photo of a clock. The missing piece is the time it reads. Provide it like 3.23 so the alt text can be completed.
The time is 4.47
